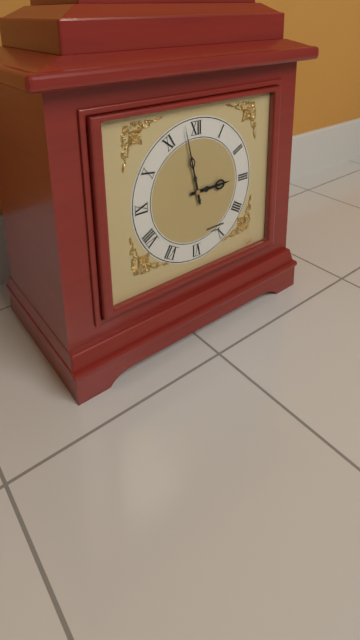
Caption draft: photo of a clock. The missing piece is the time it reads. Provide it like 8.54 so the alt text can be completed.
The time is 2.58
